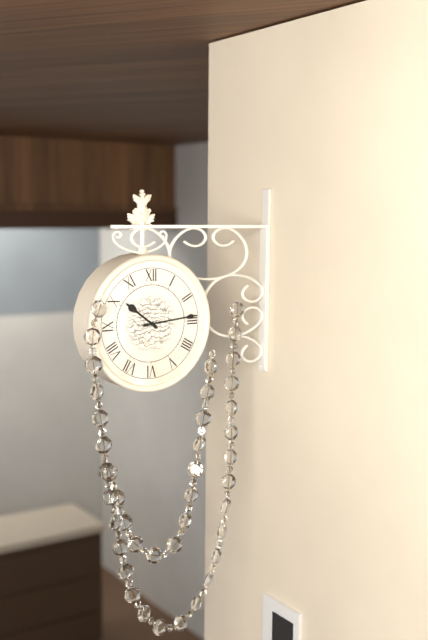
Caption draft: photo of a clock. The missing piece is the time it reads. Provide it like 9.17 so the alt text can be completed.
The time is 10.14
